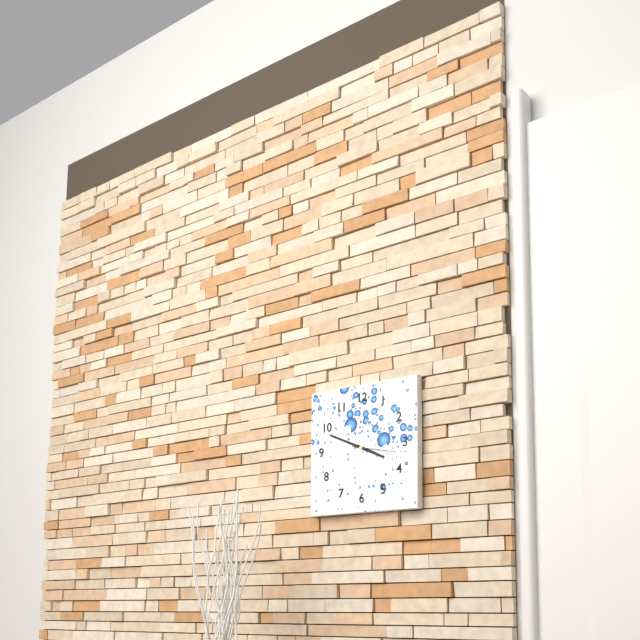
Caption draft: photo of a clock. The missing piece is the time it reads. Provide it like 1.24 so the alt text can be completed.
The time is 3.49
